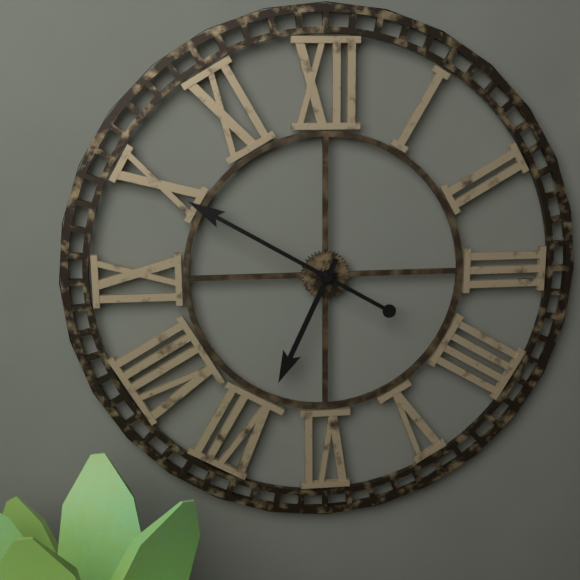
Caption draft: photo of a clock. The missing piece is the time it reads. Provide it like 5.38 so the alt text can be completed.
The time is 6.50
